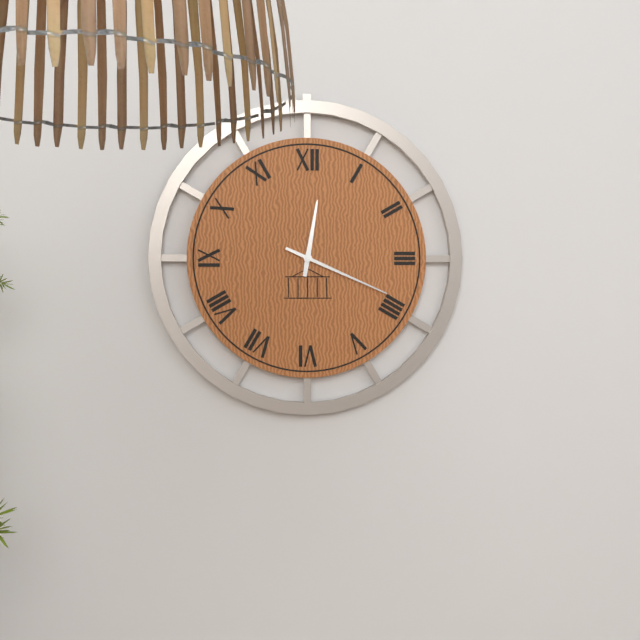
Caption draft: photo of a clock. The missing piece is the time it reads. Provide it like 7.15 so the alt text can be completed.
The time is 12.19
